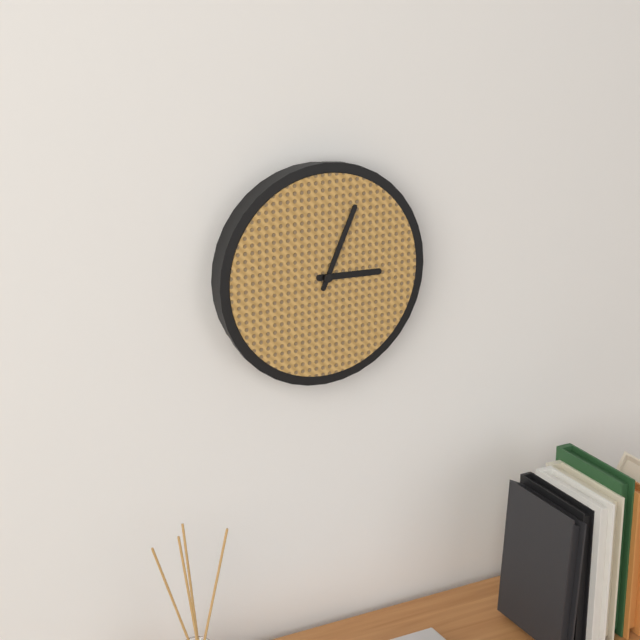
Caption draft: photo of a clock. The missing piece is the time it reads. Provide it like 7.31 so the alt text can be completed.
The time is 3.04
